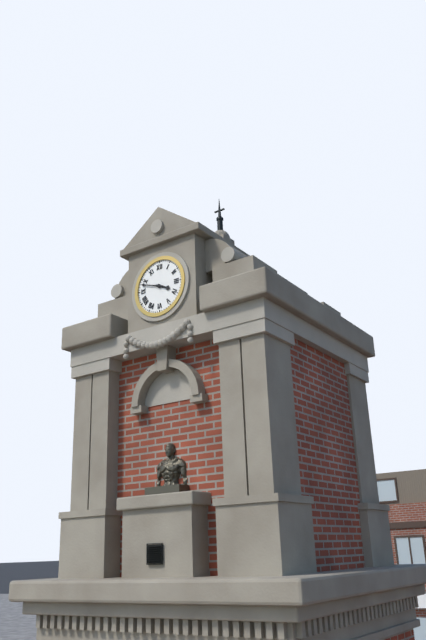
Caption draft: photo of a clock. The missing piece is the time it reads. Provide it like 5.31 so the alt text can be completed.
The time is 3.48
